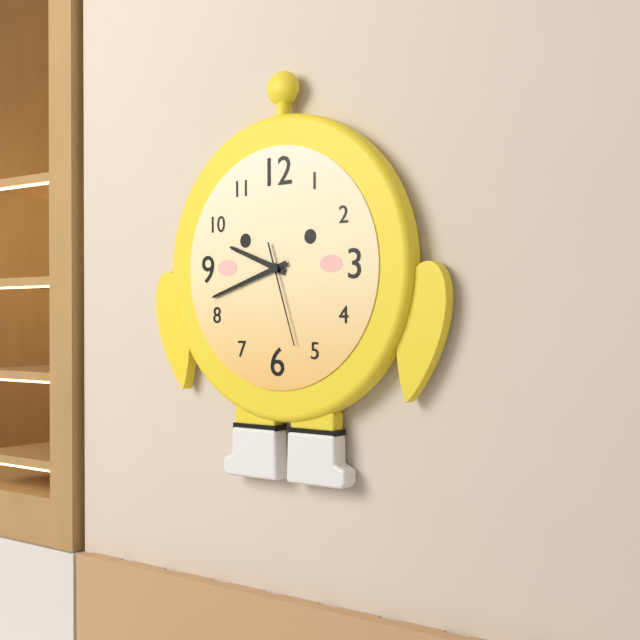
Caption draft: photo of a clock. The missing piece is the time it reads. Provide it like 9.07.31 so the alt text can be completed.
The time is 9.42.27
